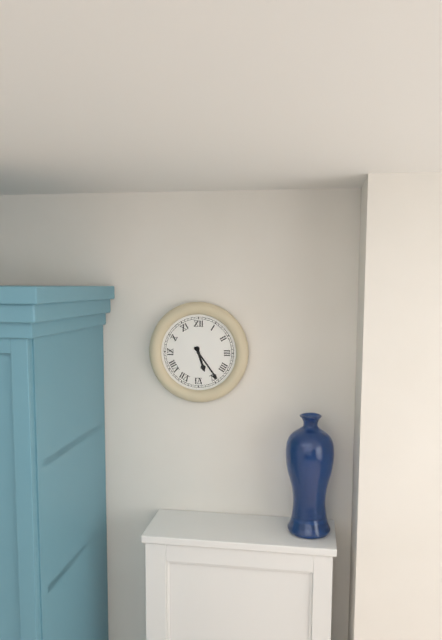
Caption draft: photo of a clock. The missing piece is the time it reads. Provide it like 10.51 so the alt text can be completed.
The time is 5.24
